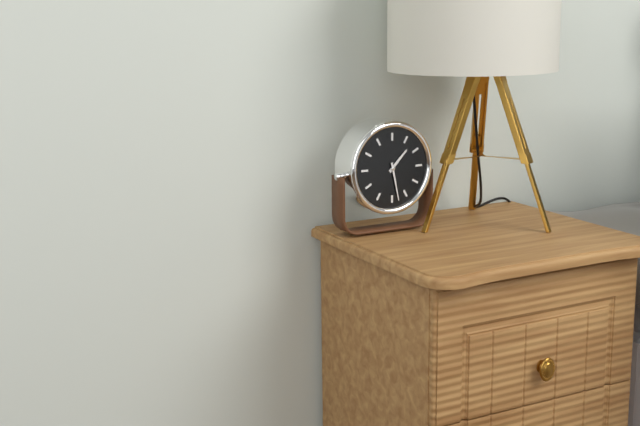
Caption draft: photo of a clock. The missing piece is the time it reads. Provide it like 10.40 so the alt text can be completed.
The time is 1.28
